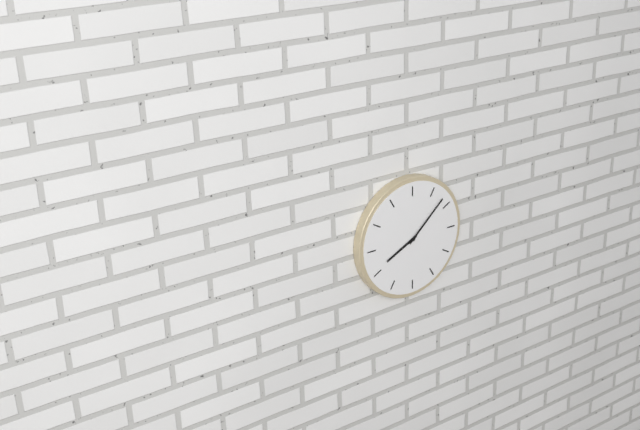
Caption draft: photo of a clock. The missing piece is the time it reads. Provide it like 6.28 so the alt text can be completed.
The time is 8.08
